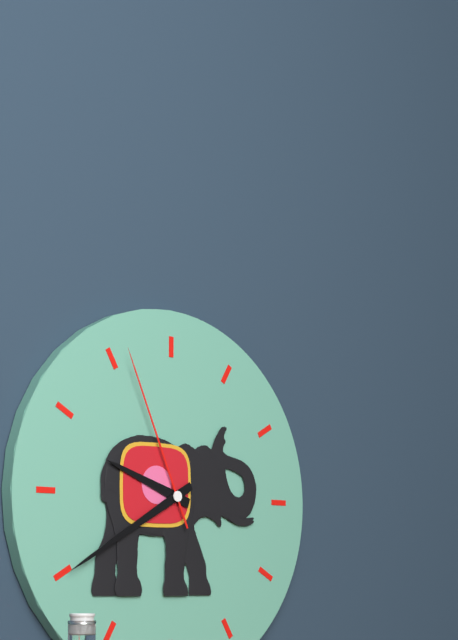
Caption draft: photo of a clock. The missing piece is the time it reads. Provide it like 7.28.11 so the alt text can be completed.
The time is 9.40.56
